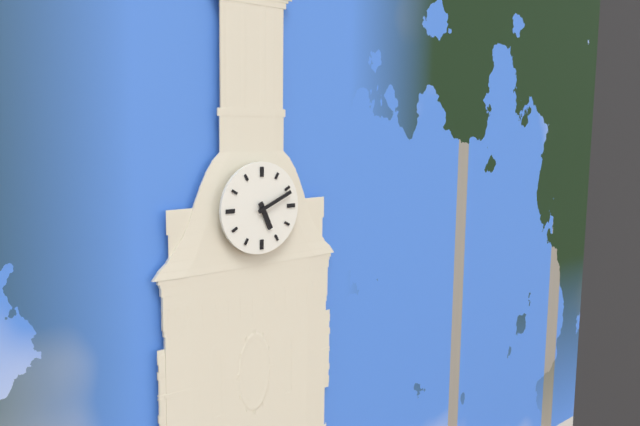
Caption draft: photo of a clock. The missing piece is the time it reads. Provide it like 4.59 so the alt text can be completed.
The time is 5.11
